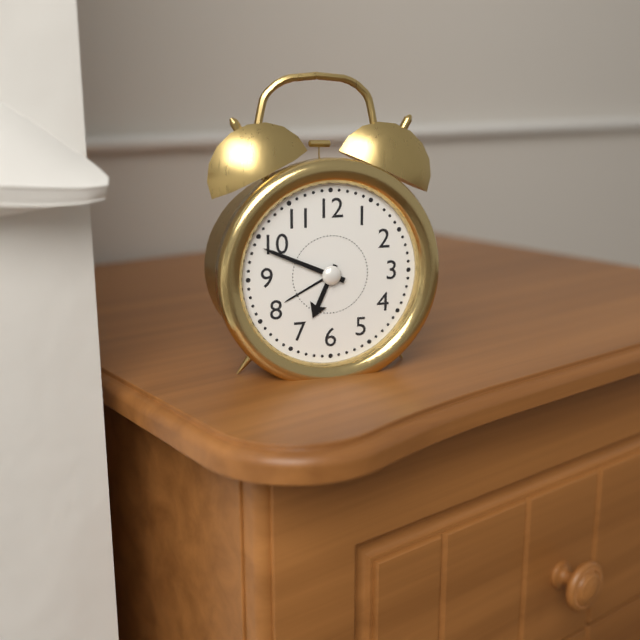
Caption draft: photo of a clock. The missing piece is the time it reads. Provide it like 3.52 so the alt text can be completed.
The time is 6.49
